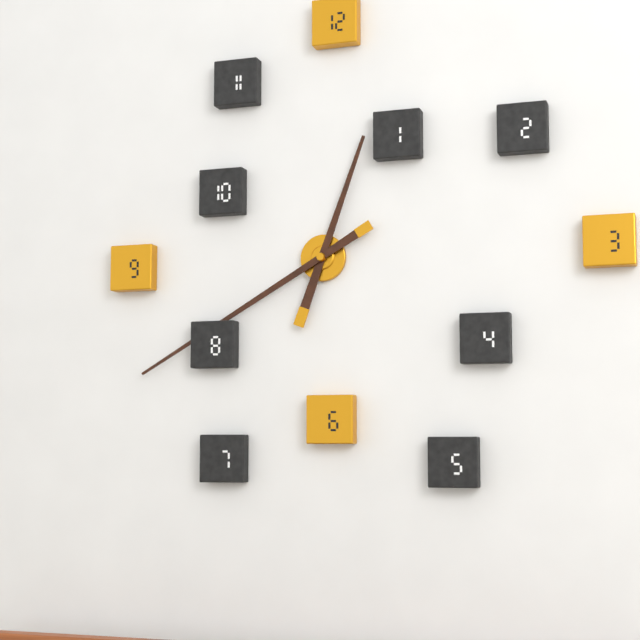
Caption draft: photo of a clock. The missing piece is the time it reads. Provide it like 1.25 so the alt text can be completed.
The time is 12.40
